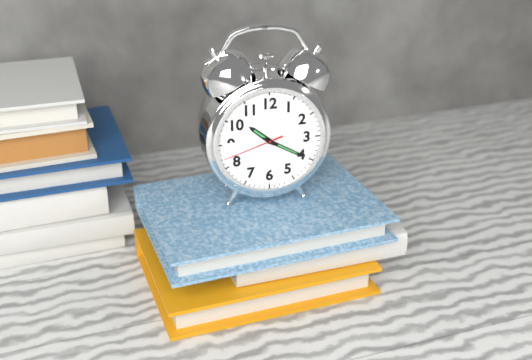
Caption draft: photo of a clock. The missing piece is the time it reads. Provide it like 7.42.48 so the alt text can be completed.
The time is 10.20.42
